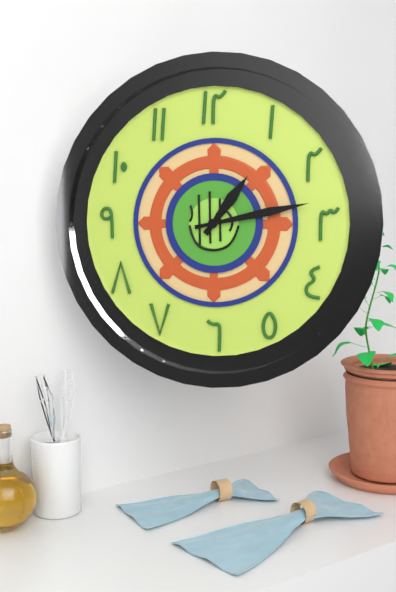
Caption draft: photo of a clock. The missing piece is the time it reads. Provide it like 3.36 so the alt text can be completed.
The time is 1.13
